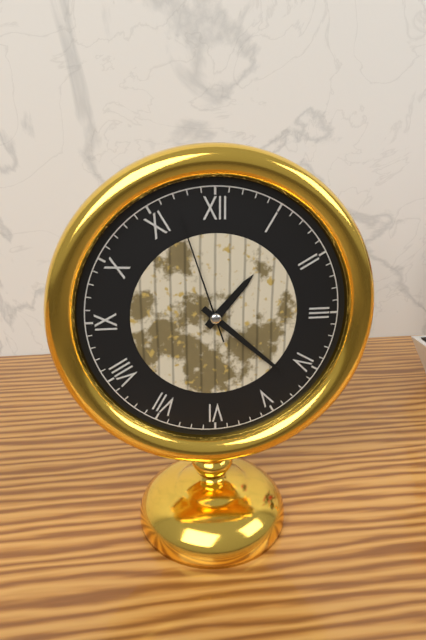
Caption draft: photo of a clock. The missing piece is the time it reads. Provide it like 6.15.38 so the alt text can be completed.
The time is 1.22.57
